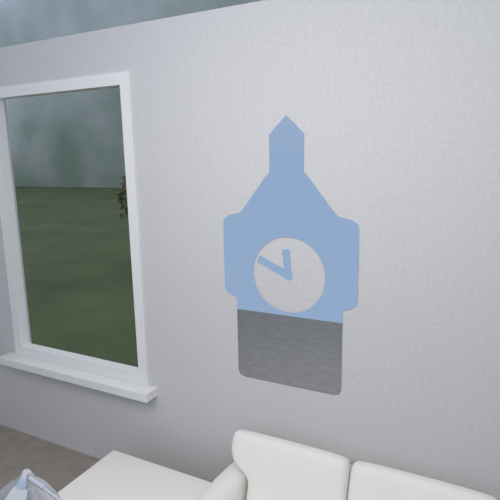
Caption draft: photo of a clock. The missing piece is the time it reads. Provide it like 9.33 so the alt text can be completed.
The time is 11.49
